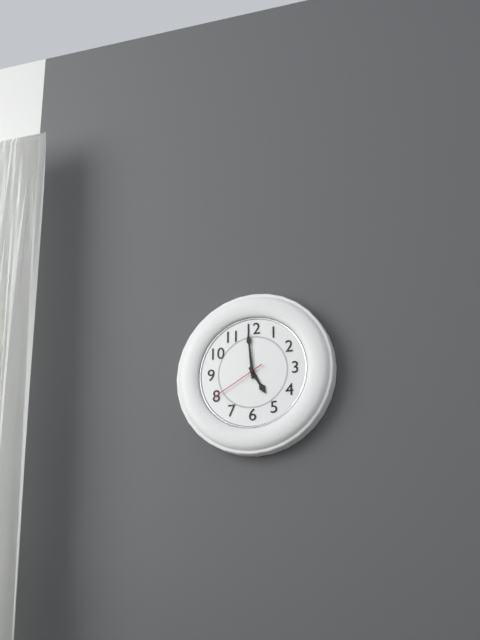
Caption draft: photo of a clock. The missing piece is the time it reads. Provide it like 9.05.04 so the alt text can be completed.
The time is 4.59.40
